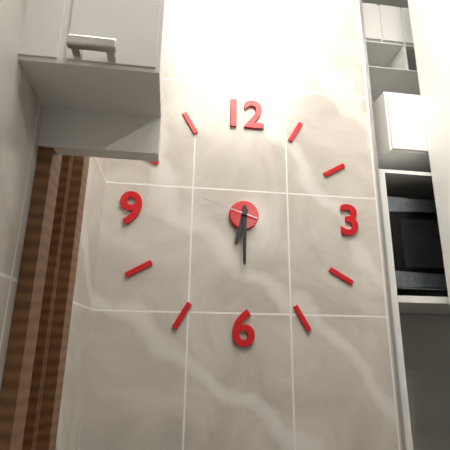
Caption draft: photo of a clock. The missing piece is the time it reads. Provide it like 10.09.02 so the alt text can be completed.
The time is 6.30.48
